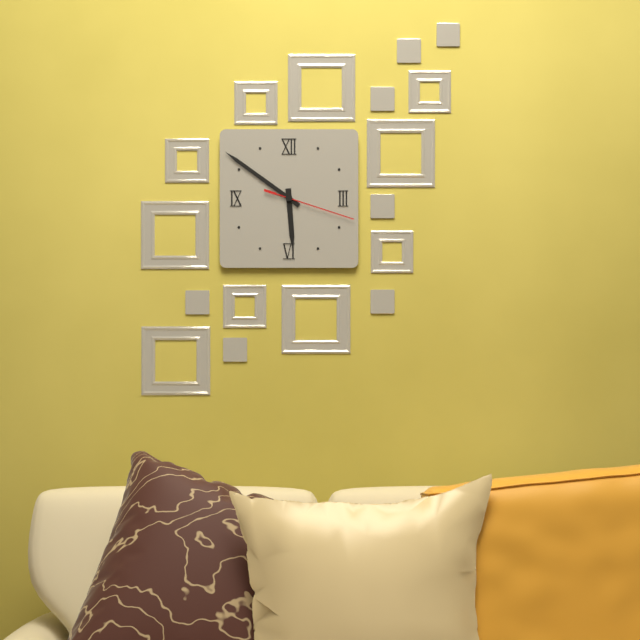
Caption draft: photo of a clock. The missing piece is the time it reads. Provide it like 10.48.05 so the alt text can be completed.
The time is 5.51.18
